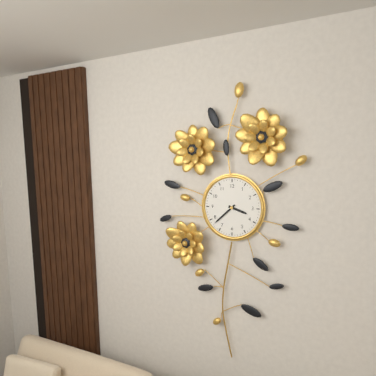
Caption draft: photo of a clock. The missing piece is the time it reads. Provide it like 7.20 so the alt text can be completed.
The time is 3.38
